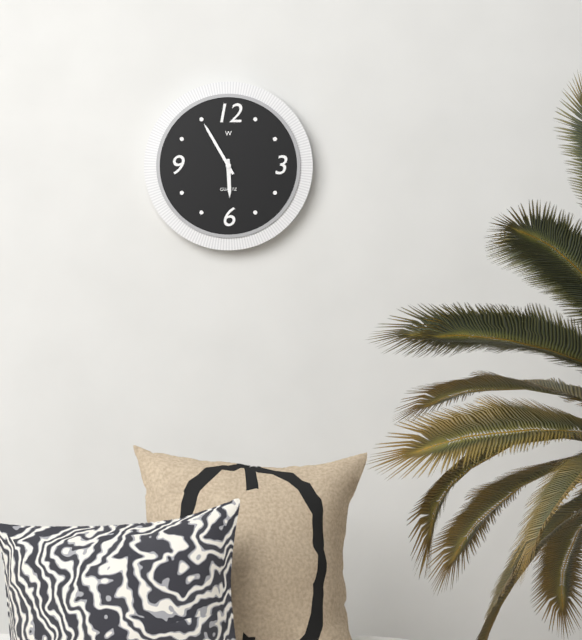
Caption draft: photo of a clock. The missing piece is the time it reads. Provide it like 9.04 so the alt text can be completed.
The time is 5.55
